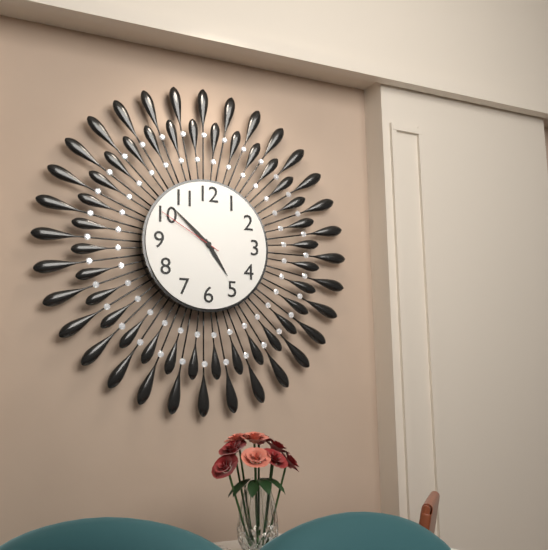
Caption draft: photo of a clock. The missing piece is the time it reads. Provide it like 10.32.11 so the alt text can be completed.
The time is 4.52.50
